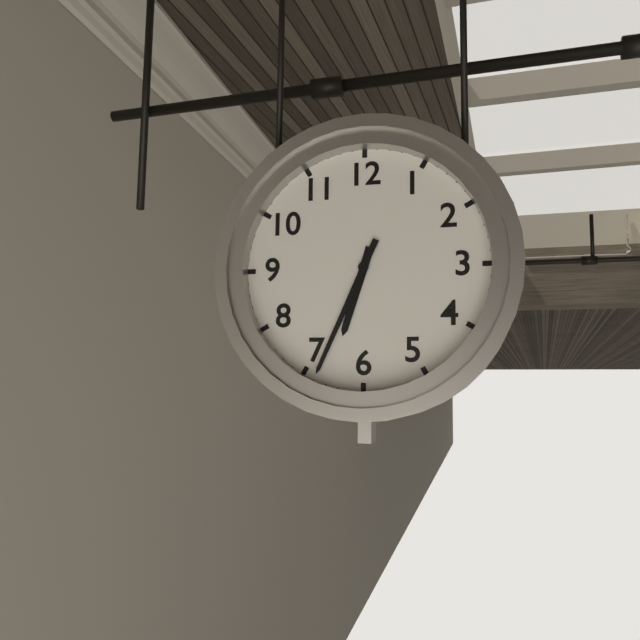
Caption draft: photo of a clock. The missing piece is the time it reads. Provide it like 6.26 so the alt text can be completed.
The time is 6.34
